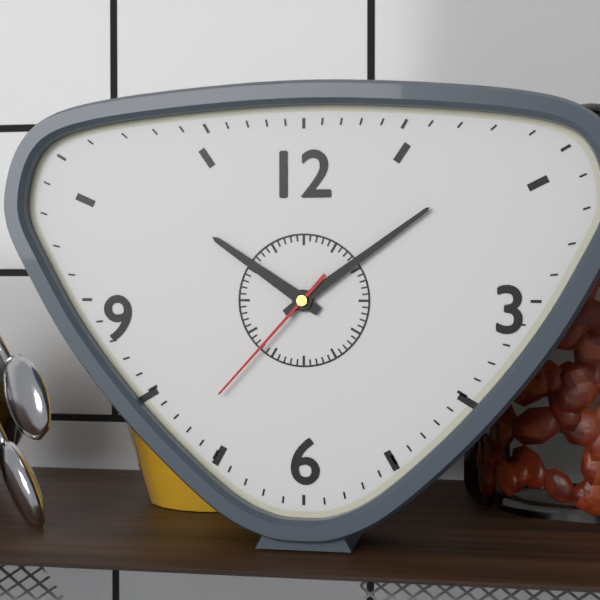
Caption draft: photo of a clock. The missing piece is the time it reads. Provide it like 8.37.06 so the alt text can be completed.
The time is 10.09.37
